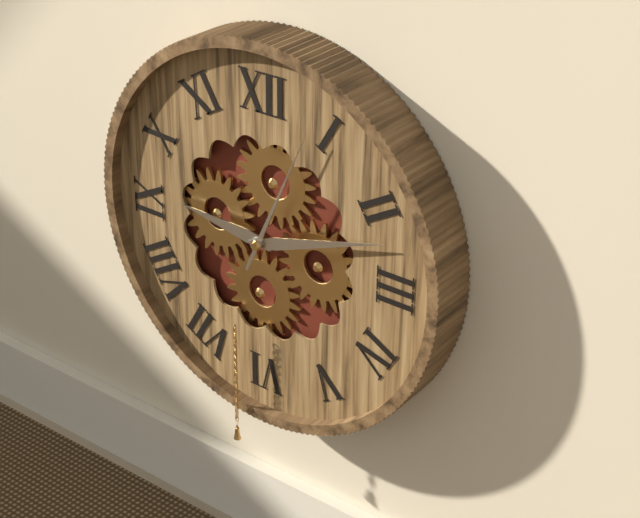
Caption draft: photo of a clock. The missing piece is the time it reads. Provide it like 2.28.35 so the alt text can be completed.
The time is 9.12.04
